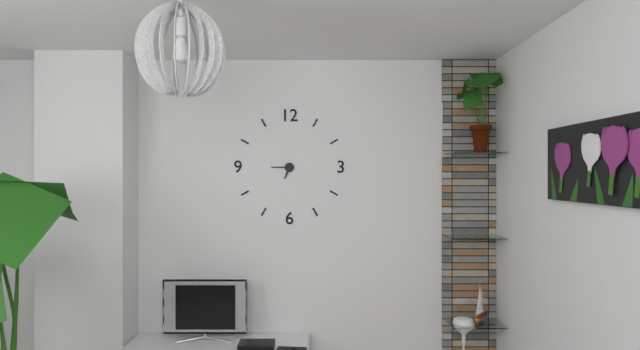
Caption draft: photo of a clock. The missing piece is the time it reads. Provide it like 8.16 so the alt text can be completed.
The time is 6.45
